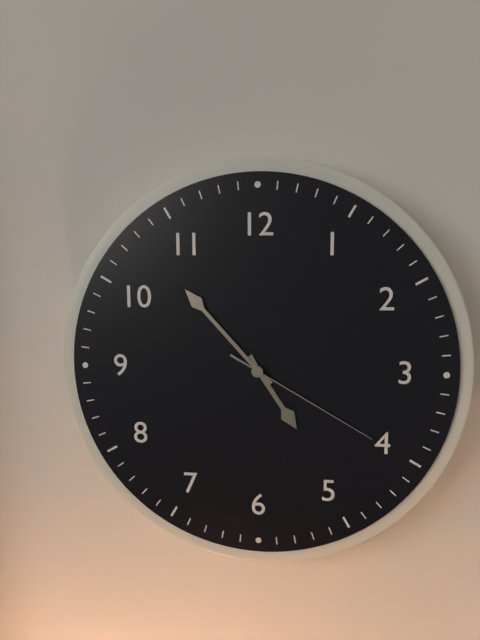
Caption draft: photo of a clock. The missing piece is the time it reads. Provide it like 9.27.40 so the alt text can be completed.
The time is 4.53.20
